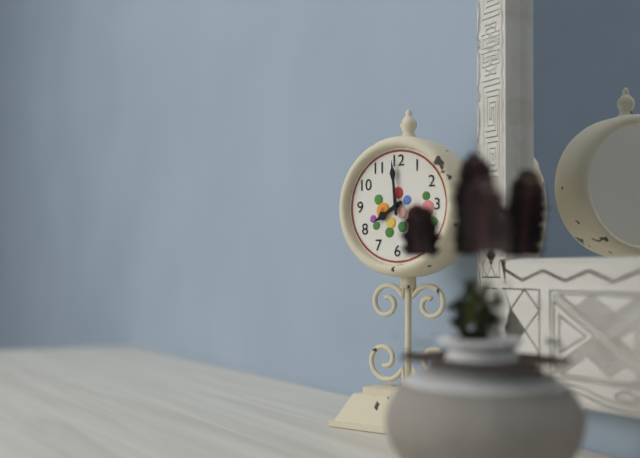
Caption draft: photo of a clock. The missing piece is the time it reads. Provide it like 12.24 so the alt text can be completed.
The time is 7.59
